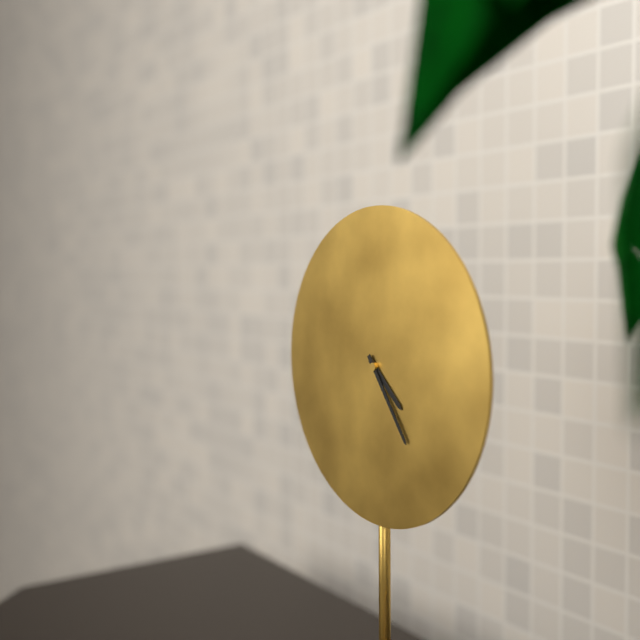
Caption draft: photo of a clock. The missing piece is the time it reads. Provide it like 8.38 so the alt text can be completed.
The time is 4.24
